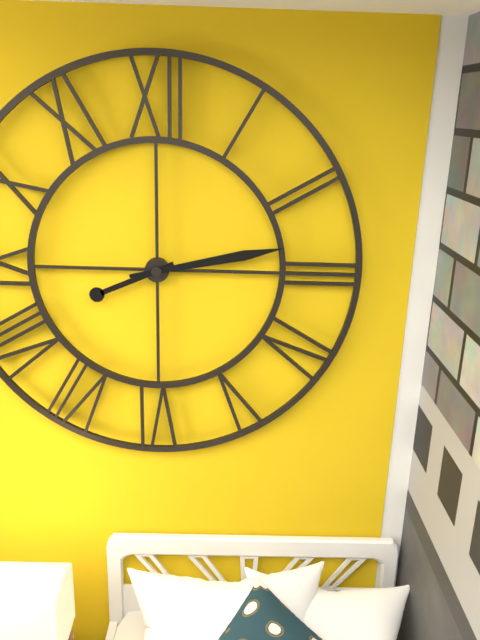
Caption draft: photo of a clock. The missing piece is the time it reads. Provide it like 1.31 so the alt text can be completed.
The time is 8.13
